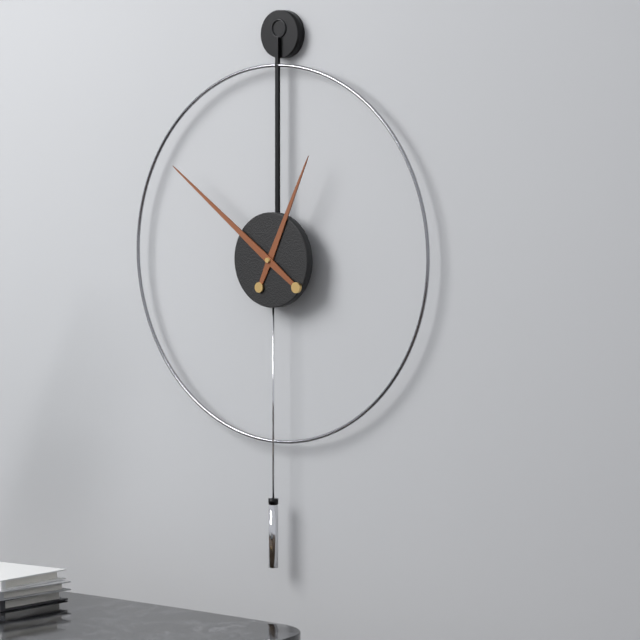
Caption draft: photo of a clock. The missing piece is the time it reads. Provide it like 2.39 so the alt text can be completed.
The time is 12.51
